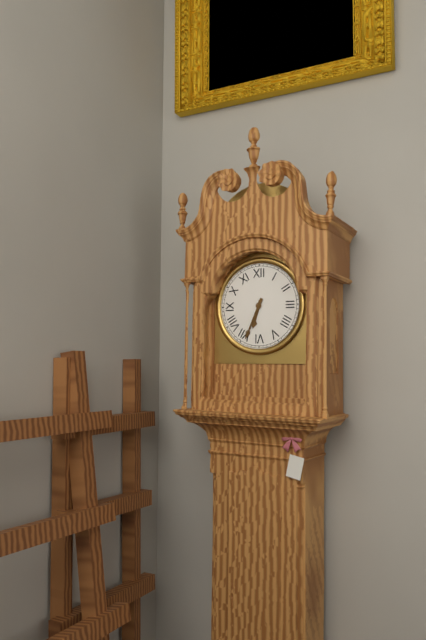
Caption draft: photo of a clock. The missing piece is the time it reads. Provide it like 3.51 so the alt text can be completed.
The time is 6.34
